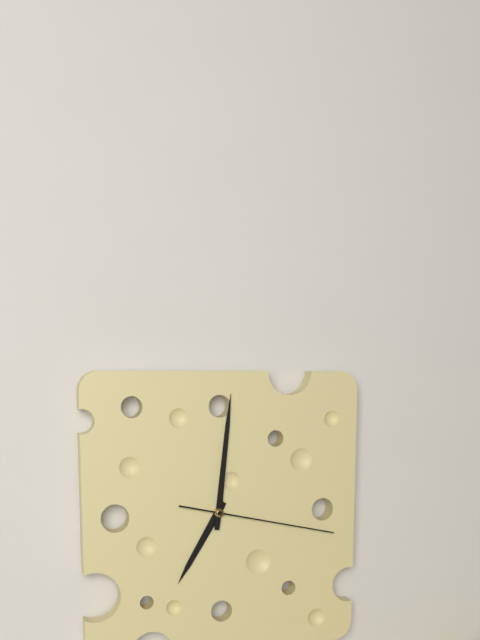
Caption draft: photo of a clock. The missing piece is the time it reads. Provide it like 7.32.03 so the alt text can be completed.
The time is 7.01.17
